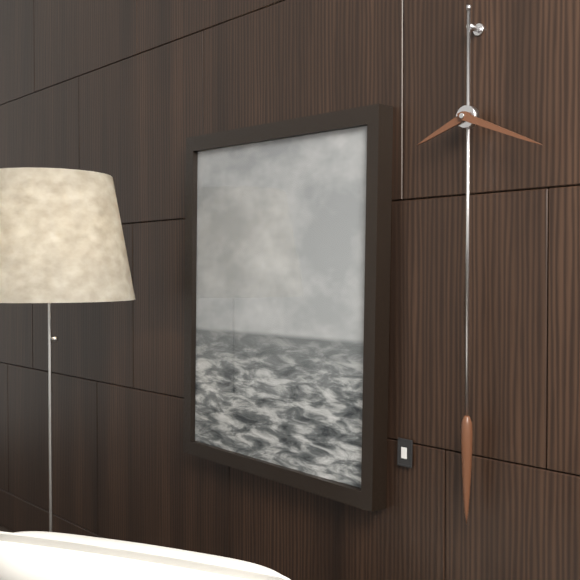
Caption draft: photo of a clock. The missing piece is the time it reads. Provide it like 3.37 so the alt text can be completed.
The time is 8.19
